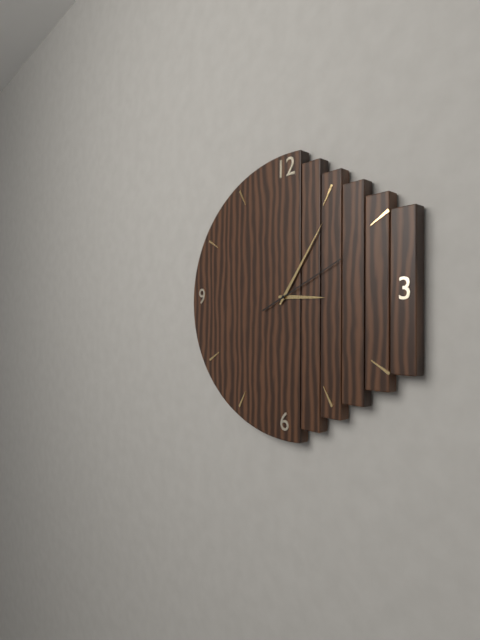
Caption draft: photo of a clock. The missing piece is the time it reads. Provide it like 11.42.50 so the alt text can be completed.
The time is 3.06.11
